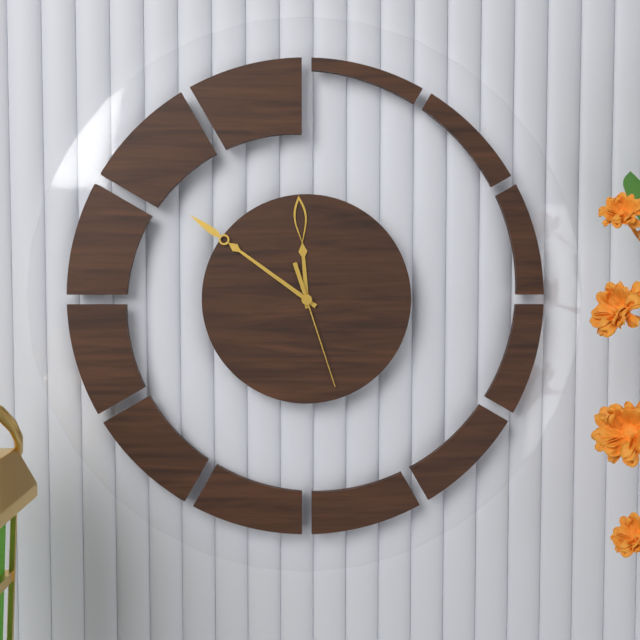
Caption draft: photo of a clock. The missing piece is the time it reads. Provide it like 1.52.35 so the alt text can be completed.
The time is 11.51.27
